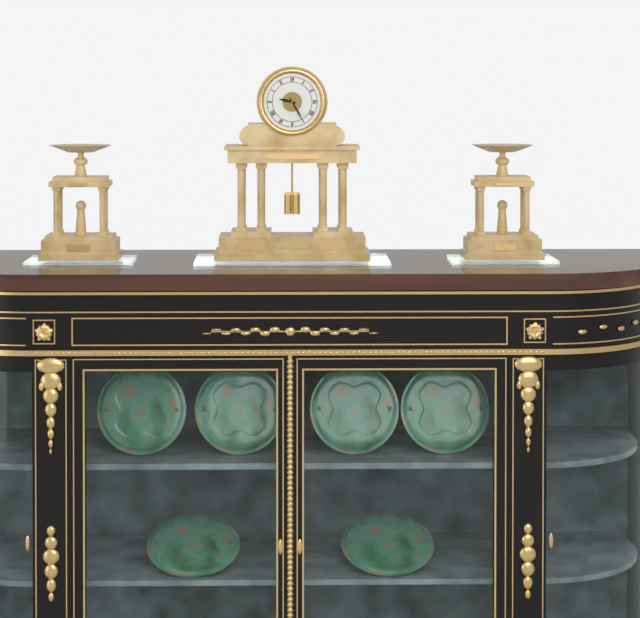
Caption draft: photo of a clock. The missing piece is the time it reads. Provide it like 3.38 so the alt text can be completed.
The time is 9.25
